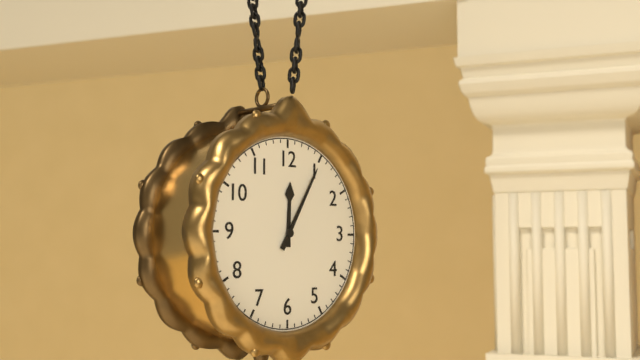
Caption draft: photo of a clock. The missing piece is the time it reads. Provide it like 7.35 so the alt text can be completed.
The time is 12.05
